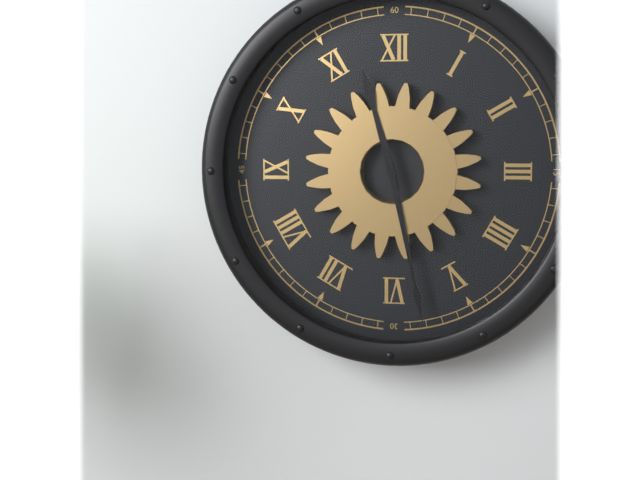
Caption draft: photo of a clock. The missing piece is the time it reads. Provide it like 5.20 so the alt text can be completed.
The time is 11.28
